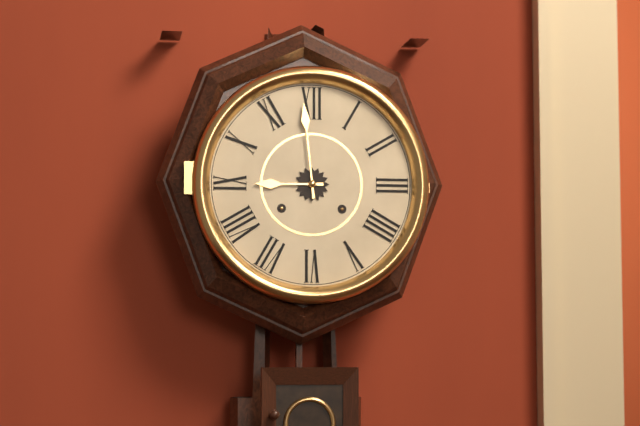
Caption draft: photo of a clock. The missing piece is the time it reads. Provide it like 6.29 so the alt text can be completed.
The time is 8.59
